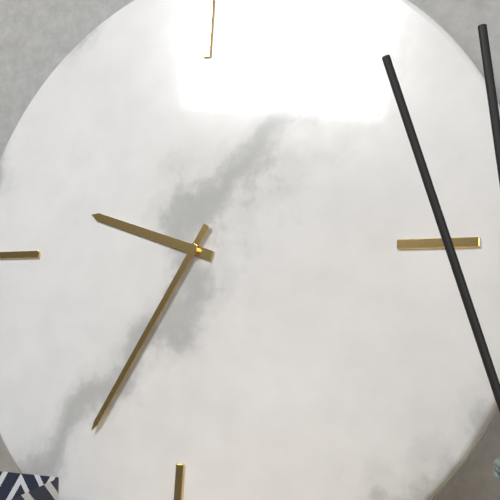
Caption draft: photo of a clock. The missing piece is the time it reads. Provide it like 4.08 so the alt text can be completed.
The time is 9.35
